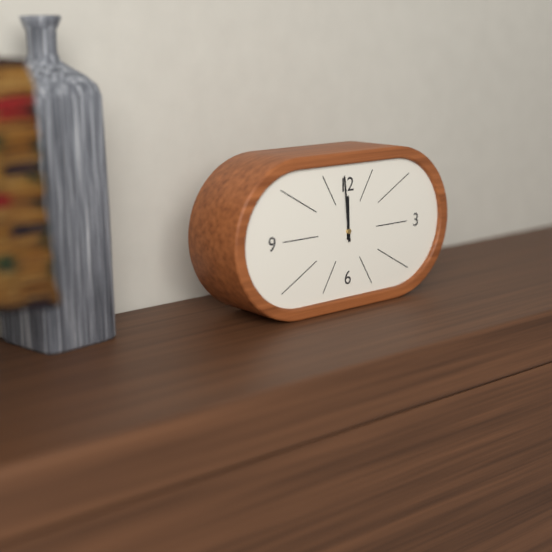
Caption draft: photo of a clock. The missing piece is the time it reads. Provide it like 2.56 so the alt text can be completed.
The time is 11.59
